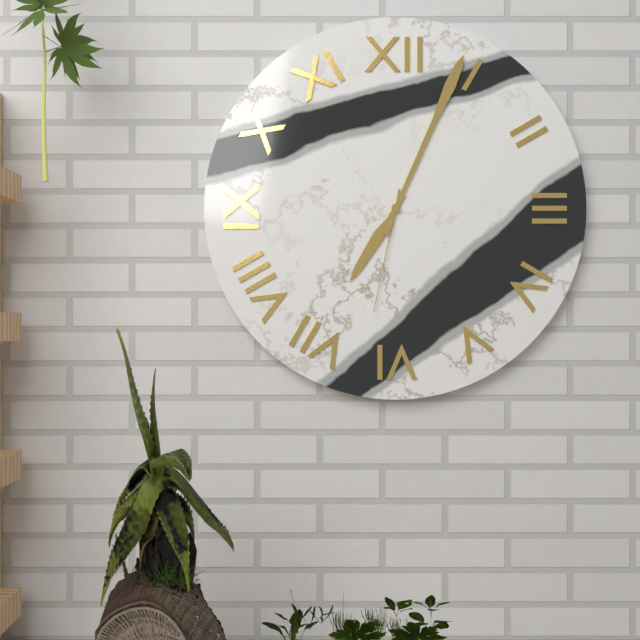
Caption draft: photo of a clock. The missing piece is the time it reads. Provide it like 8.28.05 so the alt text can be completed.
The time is 7.04.32
